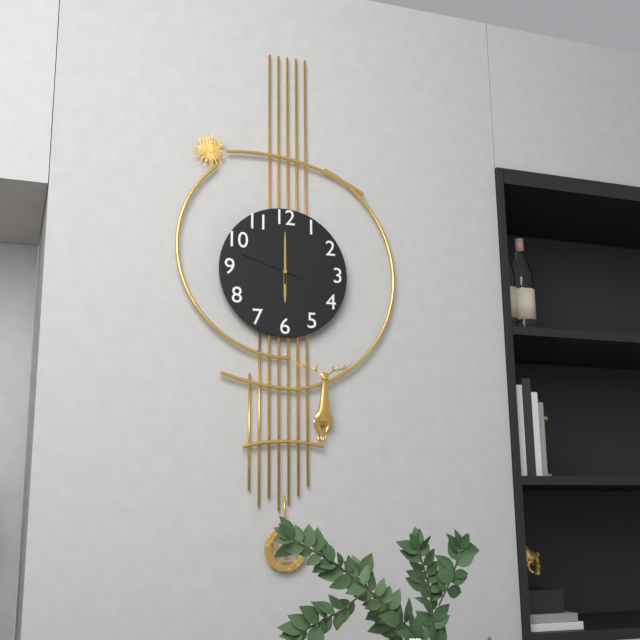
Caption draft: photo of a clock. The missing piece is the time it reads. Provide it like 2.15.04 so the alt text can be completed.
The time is 6.00.48
